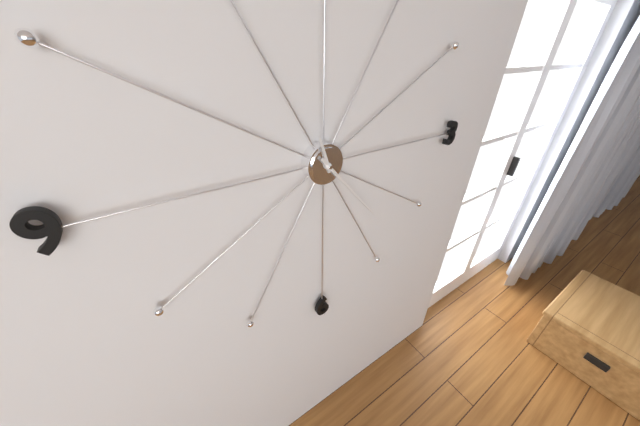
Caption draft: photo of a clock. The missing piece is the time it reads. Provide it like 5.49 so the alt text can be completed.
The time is 11.23
